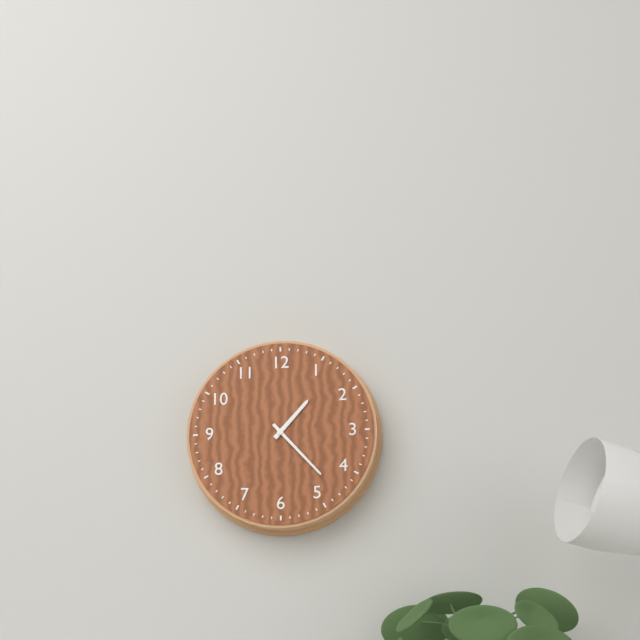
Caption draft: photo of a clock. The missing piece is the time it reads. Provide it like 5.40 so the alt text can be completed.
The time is 1.23
